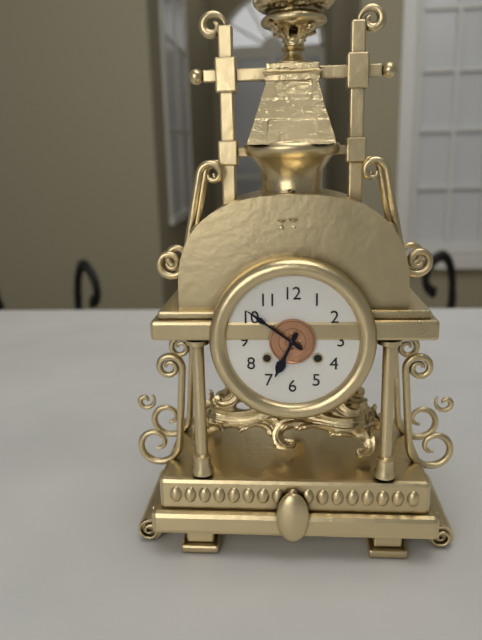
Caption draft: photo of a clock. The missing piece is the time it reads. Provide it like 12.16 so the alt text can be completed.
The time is 6.51
